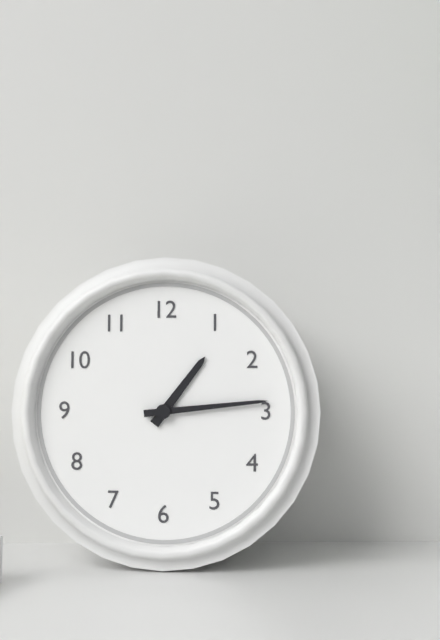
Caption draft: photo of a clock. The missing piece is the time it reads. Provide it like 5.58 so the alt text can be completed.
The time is 1.14
